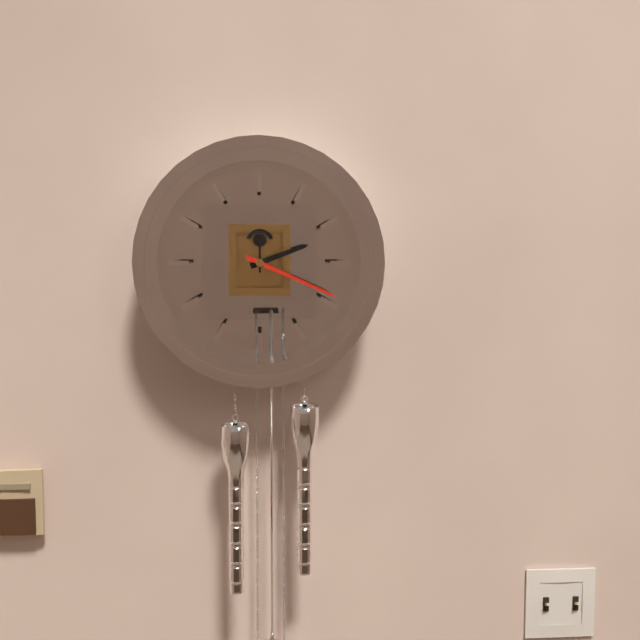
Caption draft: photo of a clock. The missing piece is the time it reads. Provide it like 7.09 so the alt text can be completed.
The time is 2.19
